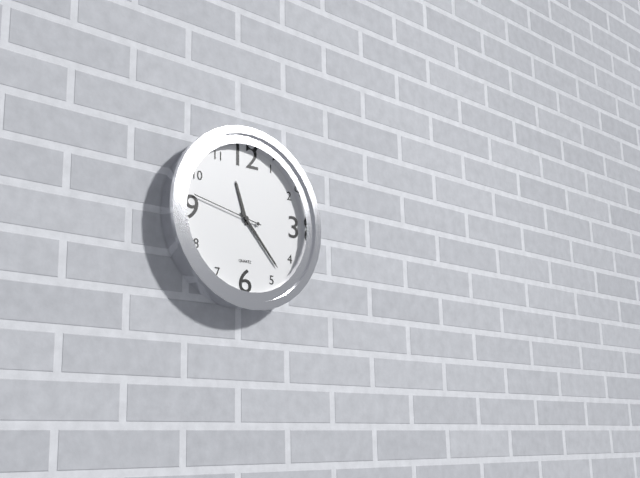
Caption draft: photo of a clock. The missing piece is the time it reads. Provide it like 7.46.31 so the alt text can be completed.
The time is 11.23.47
